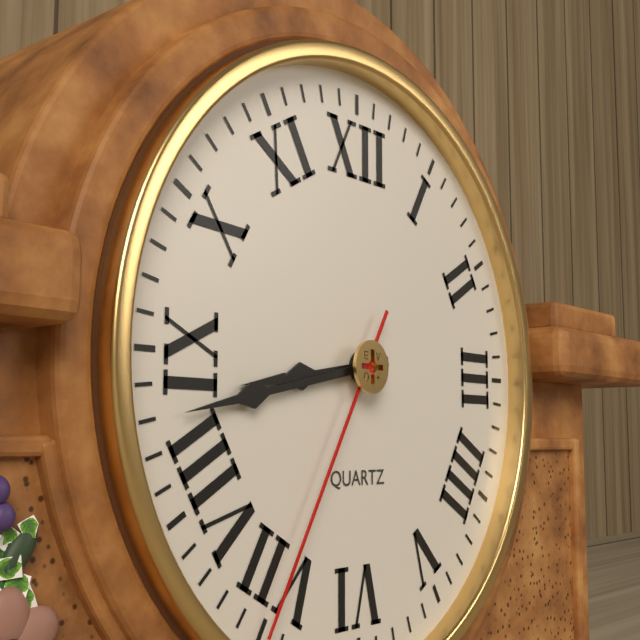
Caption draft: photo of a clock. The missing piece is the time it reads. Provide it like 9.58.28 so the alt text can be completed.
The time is 8.43.35
